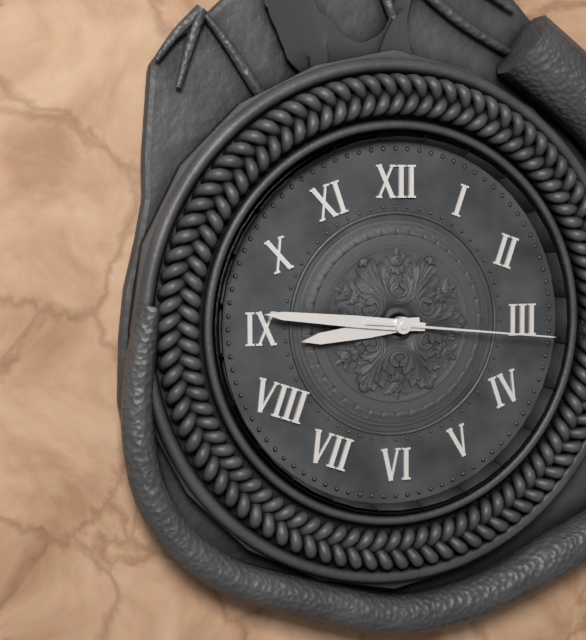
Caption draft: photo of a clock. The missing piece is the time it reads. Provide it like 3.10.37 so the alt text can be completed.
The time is 8.46.16
